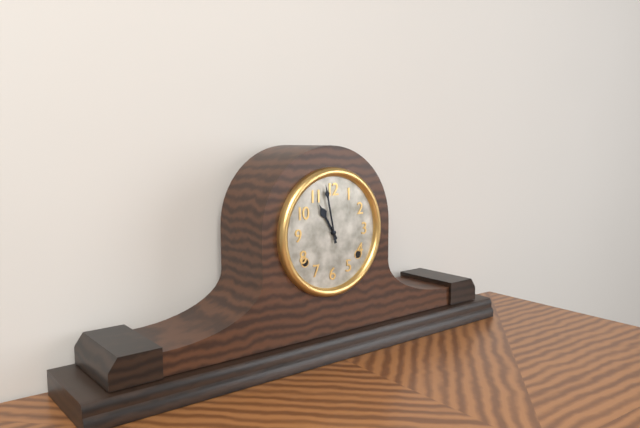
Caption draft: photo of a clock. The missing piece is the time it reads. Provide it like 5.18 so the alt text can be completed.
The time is 10.58
